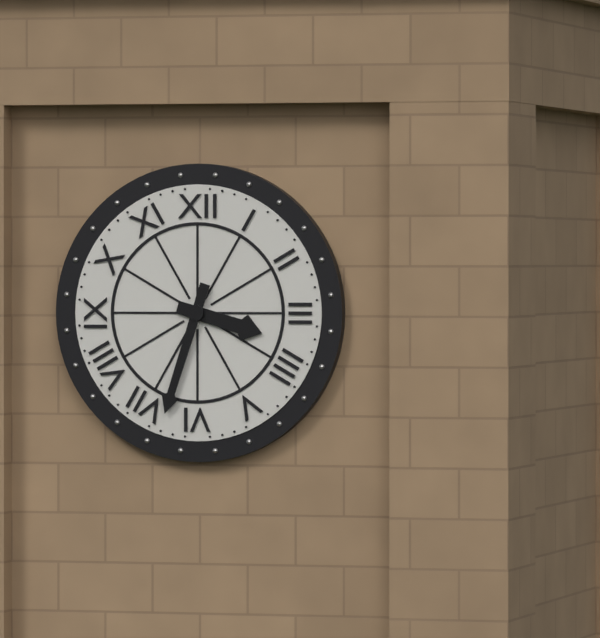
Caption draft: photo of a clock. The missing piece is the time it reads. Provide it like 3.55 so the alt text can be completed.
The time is 3.33
